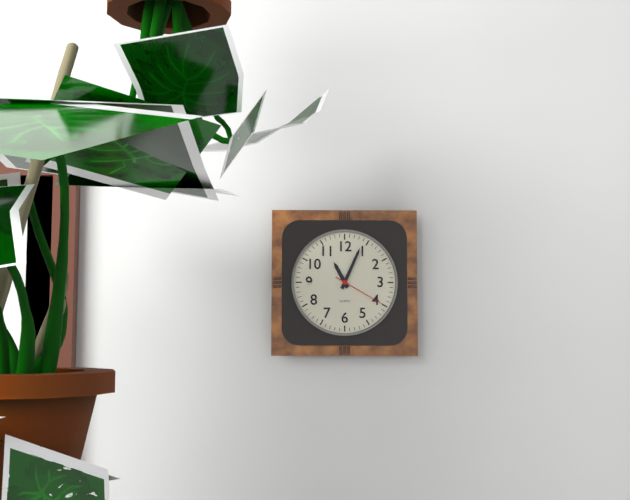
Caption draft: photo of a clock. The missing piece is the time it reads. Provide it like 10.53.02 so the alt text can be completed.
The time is 11.04.20
